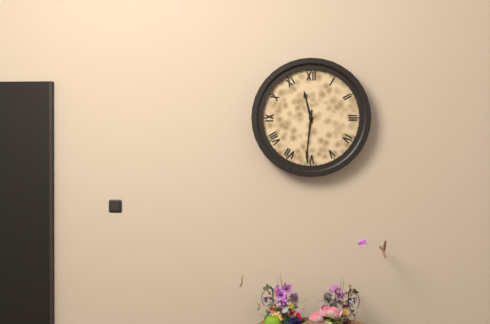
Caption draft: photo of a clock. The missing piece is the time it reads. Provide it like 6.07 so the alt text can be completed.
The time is 11.31
